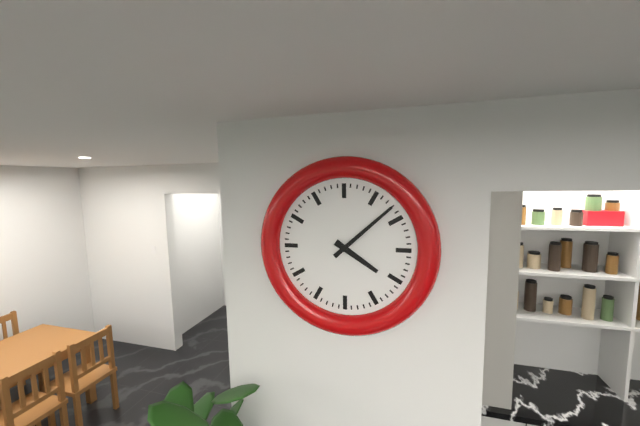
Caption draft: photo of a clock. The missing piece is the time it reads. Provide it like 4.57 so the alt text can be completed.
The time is 4.08
